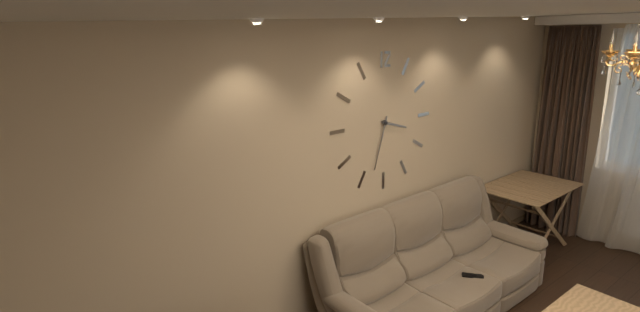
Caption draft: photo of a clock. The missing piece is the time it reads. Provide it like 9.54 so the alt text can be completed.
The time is 3.33
